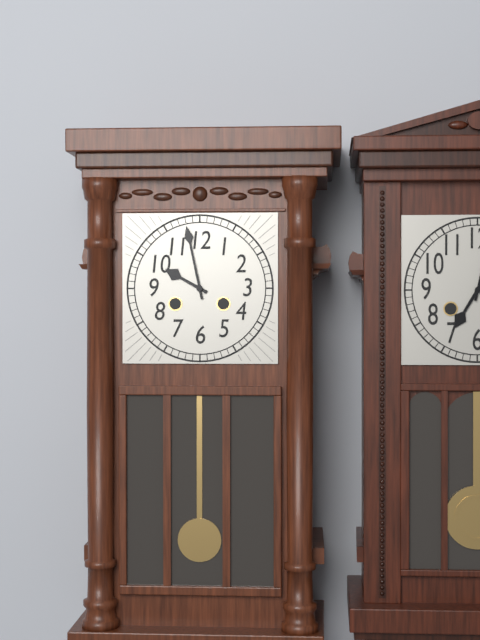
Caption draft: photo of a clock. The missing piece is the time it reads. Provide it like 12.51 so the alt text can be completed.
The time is 9.58
